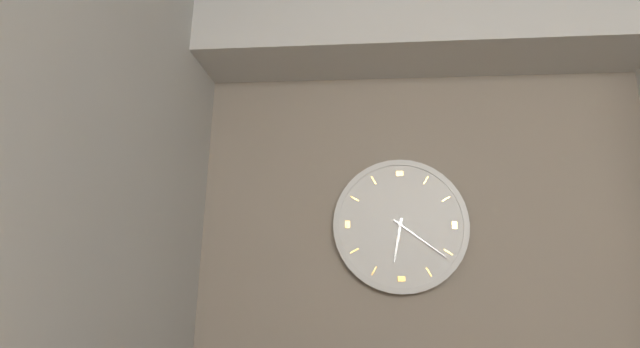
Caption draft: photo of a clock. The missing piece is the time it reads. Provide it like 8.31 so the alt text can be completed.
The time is 6.21
